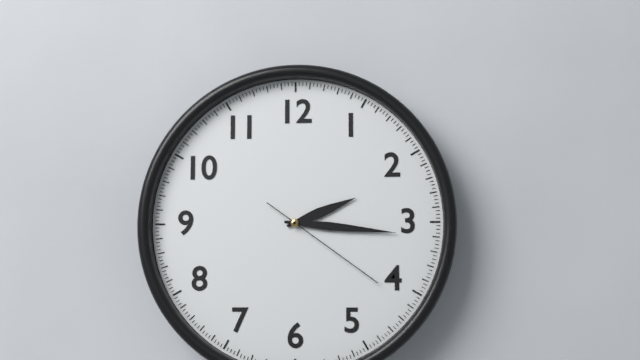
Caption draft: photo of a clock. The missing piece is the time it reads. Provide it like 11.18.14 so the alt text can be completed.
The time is 2.16.21
